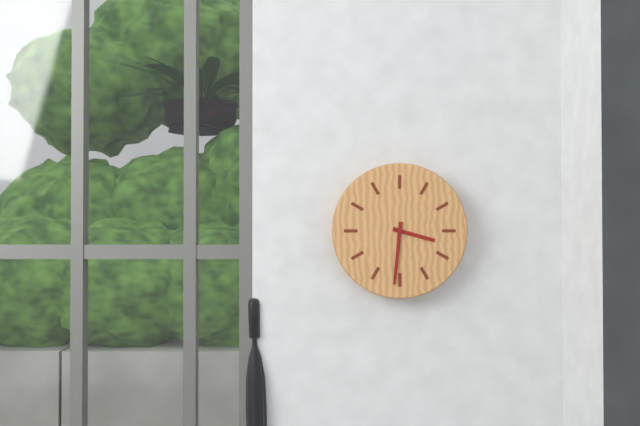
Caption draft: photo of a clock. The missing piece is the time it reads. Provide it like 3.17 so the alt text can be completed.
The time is 3.31
